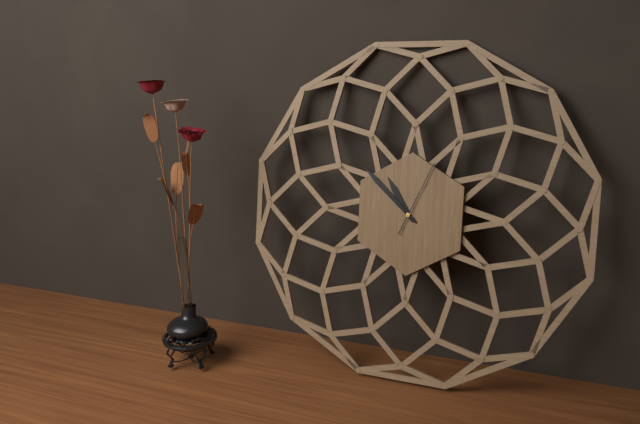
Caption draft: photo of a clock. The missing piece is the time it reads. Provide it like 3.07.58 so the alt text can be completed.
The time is 10.52.04
